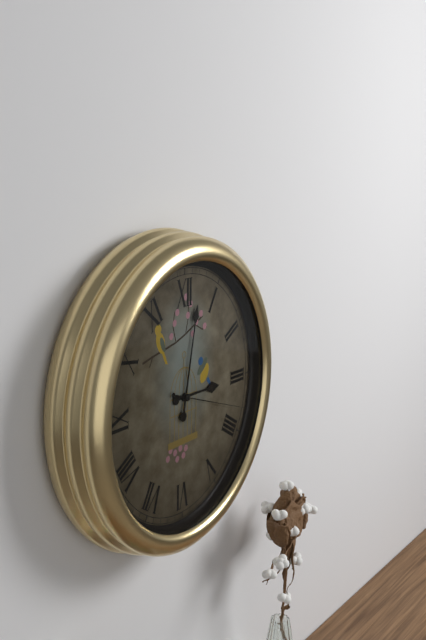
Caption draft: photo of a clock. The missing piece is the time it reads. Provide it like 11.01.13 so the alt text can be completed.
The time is 3.02.18
